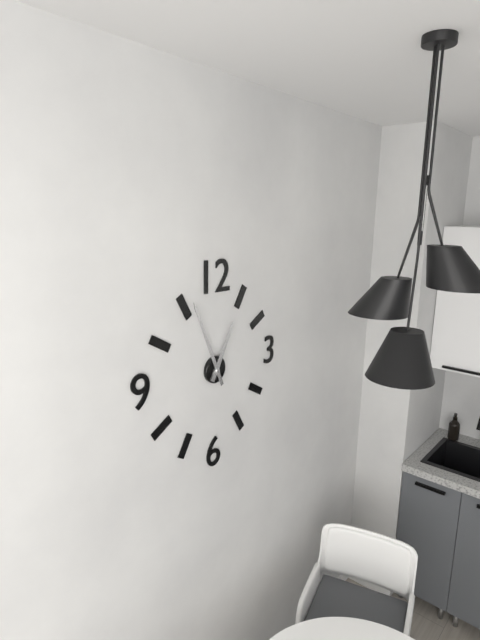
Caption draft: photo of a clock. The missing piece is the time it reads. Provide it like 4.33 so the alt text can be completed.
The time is 12.56
